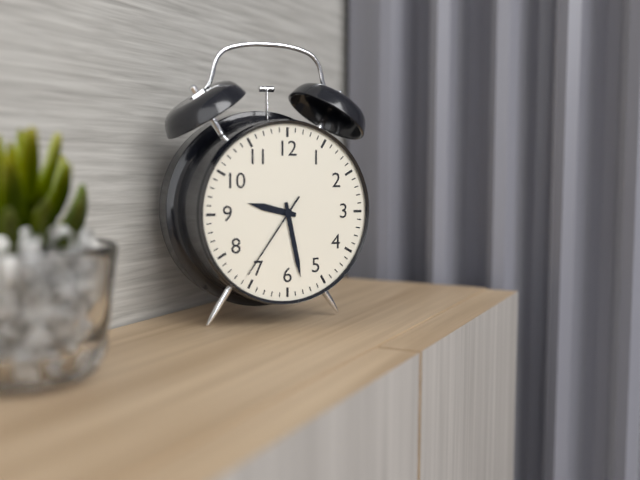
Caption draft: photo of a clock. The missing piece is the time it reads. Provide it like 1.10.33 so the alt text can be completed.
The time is 9.28.36
